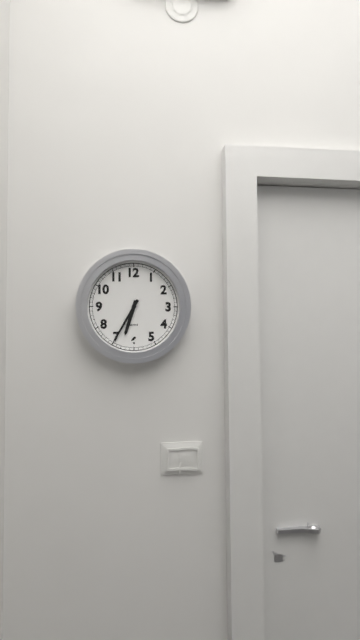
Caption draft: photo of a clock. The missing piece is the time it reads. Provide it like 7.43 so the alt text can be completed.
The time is 6.35
